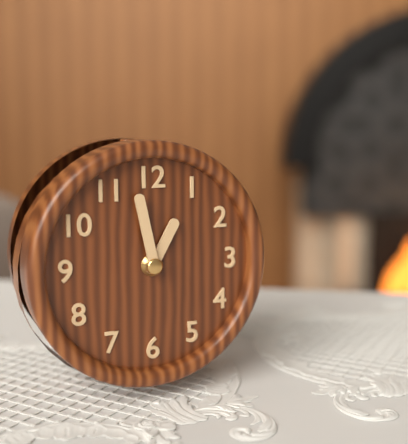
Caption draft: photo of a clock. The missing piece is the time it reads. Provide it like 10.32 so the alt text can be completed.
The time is 12.58
